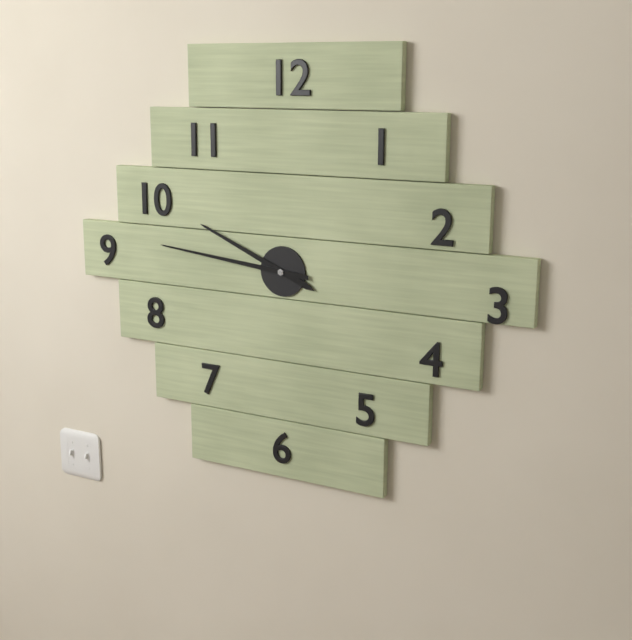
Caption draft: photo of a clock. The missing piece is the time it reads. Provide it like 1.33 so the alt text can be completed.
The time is 9.46
